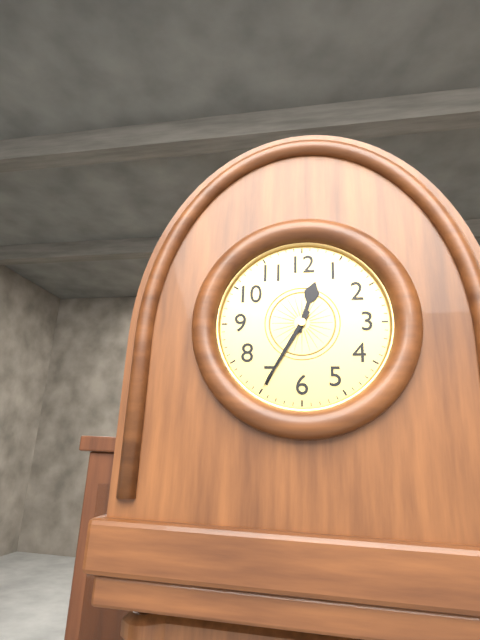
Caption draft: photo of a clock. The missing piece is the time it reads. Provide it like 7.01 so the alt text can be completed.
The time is 12.35
